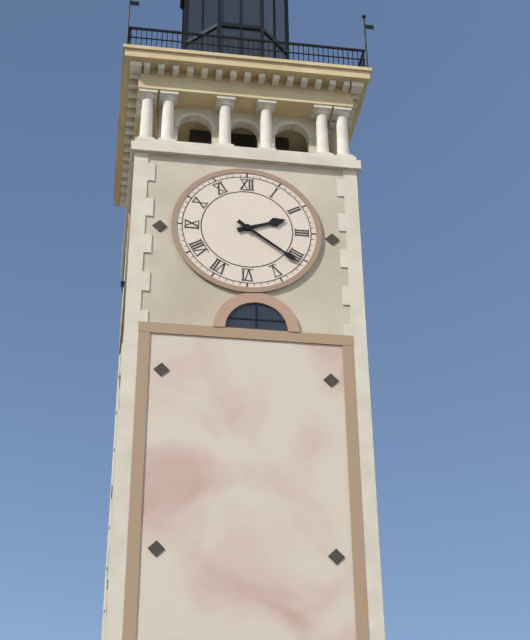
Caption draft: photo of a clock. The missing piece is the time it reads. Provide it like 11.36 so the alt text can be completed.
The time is 2.21
